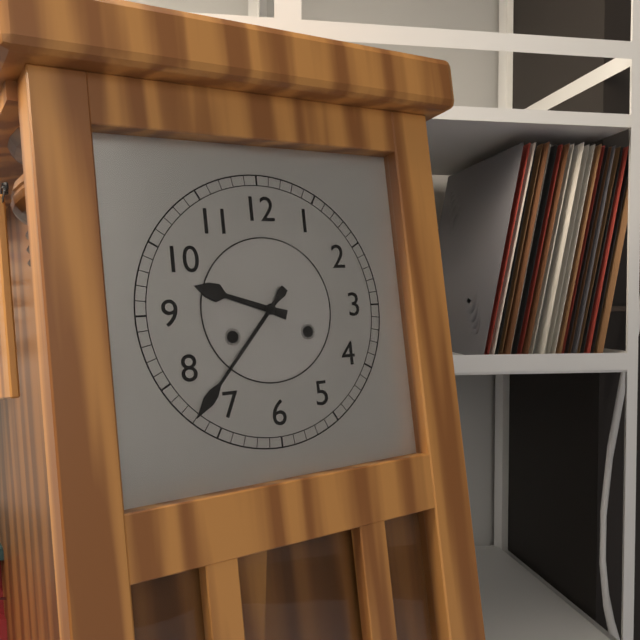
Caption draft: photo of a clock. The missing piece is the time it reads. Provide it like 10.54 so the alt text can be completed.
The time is 9.37
